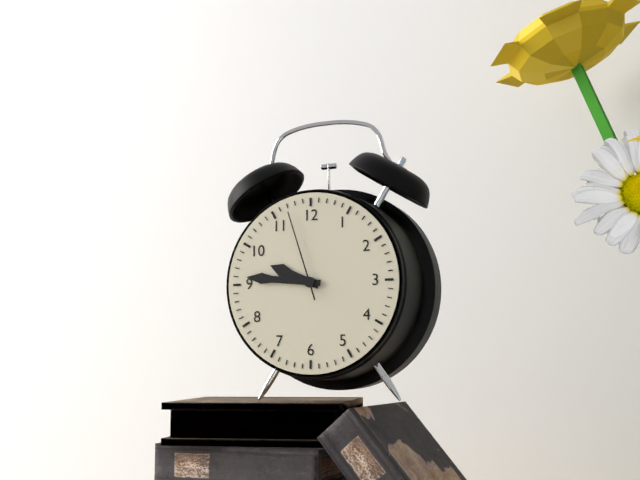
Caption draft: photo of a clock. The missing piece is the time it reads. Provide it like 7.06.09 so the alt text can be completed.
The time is 9.46.57
